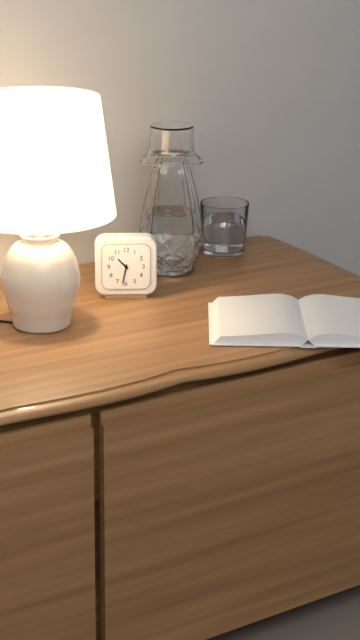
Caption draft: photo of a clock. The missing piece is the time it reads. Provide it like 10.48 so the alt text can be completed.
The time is 10.32
